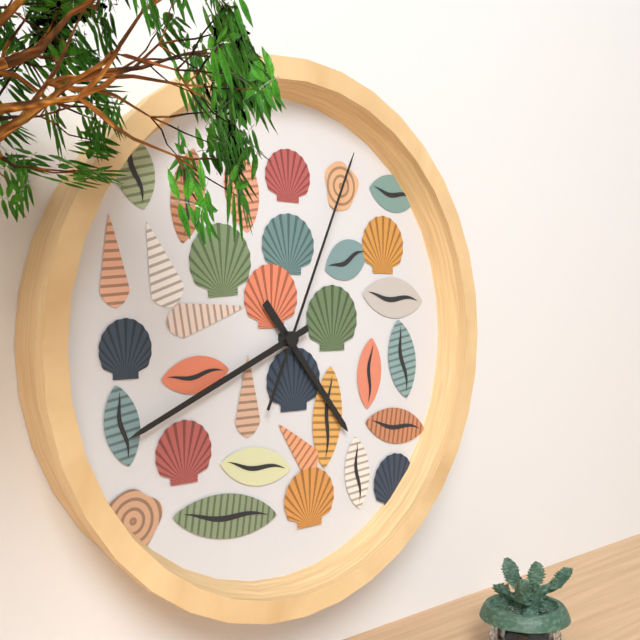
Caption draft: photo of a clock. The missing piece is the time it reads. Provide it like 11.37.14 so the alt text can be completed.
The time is 4.41.04
